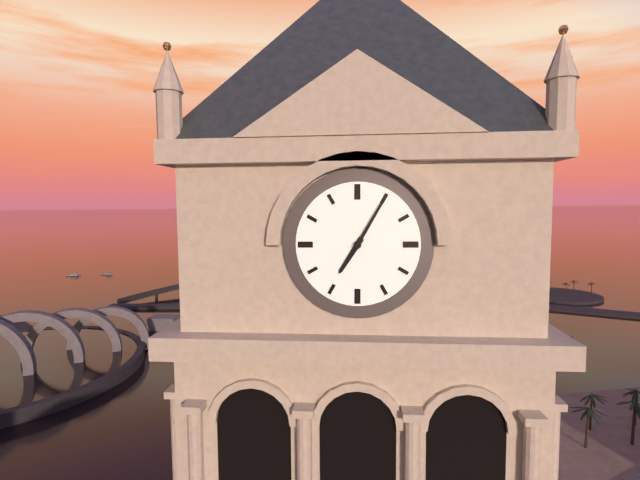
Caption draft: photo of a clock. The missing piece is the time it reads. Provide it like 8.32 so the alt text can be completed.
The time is 7.05
